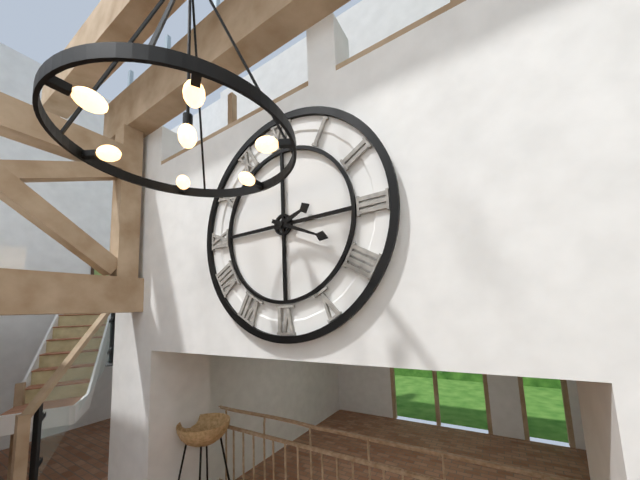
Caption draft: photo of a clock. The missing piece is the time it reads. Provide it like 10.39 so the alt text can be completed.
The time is 2.19
